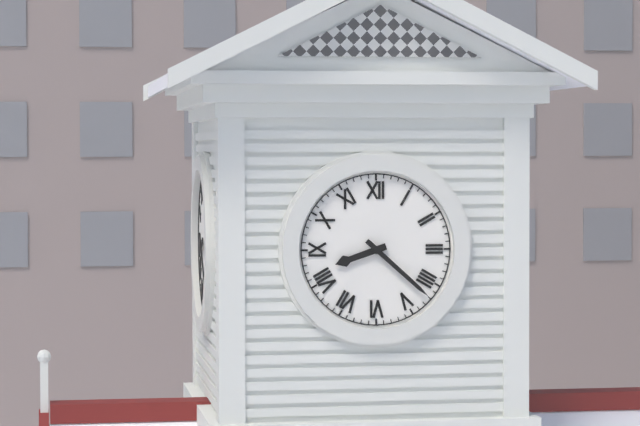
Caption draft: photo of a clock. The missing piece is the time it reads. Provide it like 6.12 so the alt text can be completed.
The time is 8.22
